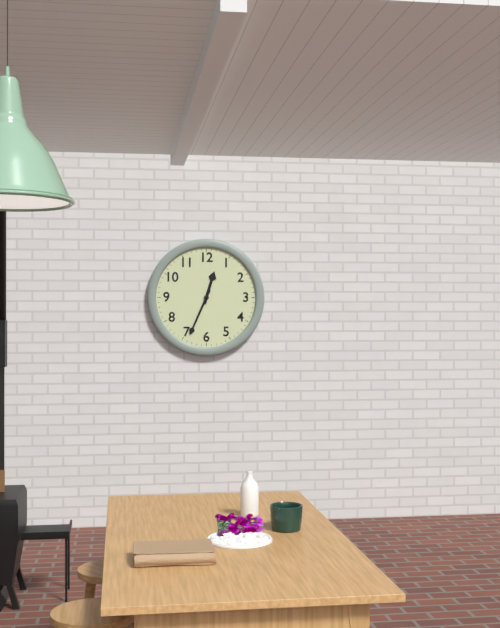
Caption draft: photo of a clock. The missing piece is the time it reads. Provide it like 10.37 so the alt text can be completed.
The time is 12.34
